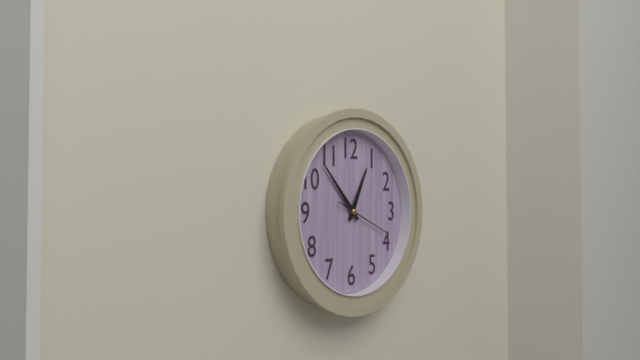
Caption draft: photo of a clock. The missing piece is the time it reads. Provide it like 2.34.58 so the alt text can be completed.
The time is 12.53.19
